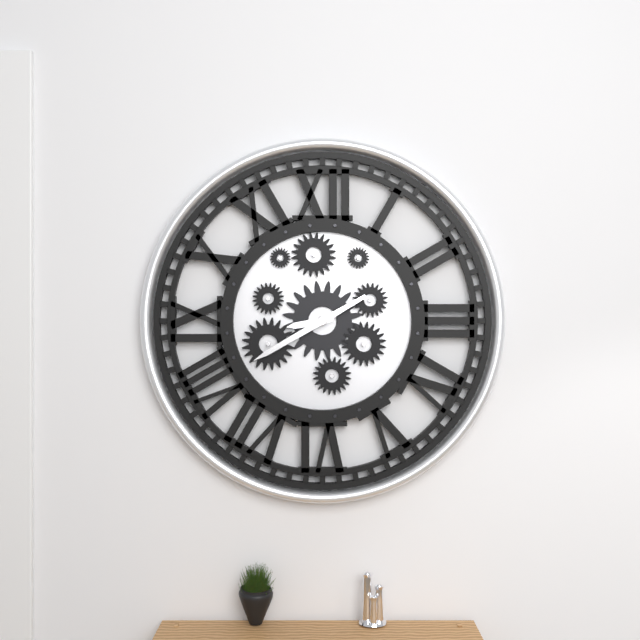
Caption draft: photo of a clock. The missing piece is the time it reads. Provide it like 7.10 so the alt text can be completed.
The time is 8.40
